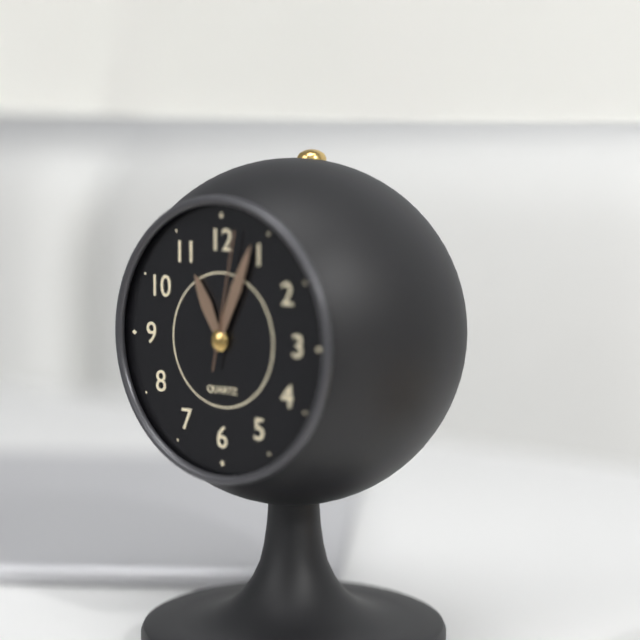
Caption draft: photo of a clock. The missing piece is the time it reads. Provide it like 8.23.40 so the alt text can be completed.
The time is 11.04.02
